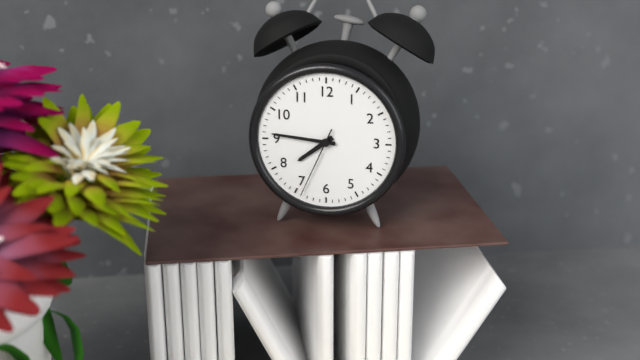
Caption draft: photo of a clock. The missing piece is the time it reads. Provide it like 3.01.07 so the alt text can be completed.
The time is 7.46.34
